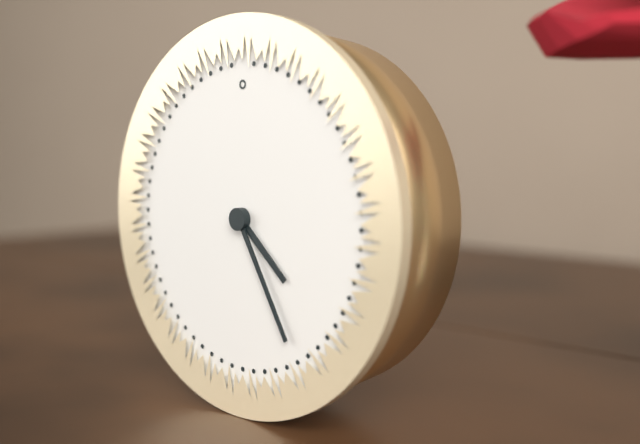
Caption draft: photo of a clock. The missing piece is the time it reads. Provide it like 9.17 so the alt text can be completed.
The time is 4.25
